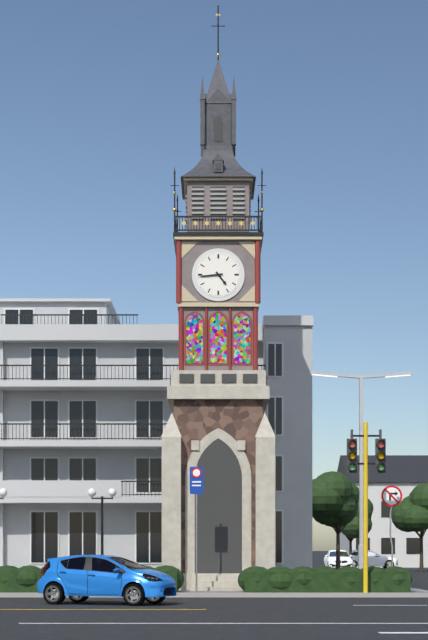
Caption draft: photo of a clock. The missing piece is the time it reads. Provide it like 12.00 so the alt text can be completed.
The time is 4.44
